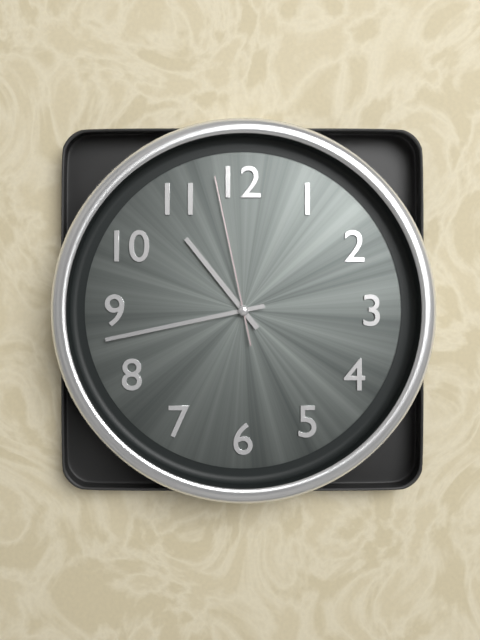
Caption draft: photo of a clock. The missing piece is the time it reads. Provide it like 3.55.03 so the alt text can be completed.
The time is 10.43.58
